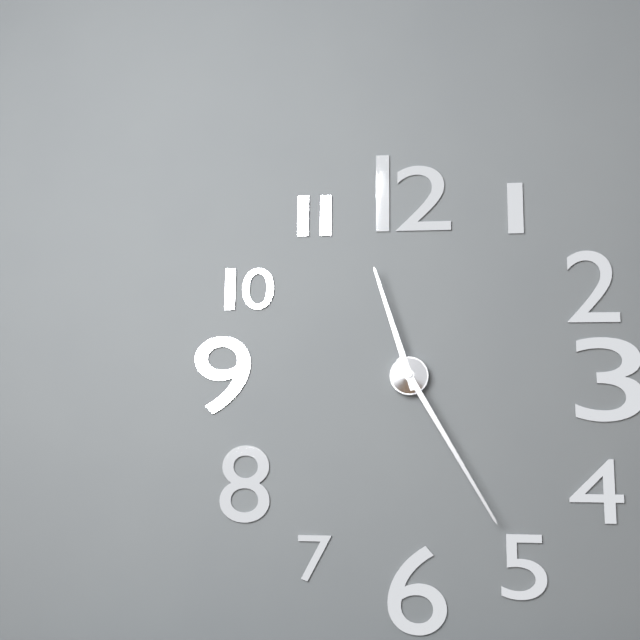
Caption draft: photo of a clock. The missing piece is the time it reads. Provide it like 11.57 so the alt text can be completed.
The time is 11.25
